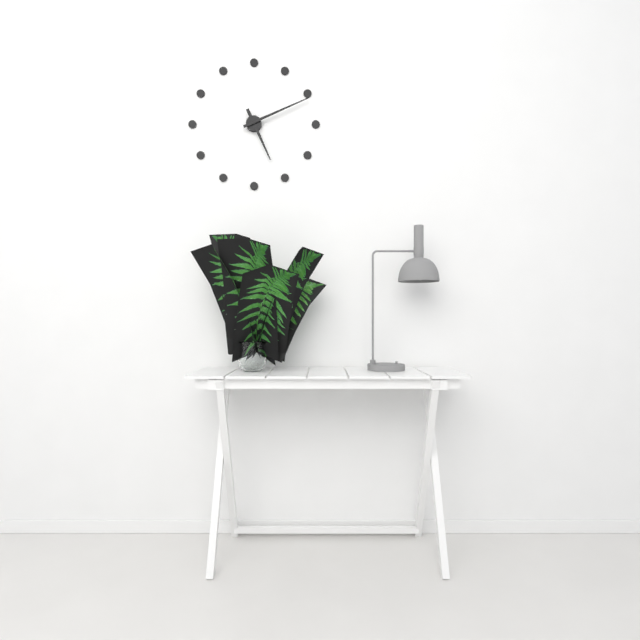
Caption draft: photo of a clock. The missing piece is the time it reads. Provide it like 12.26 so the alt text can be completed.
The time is 5.11
